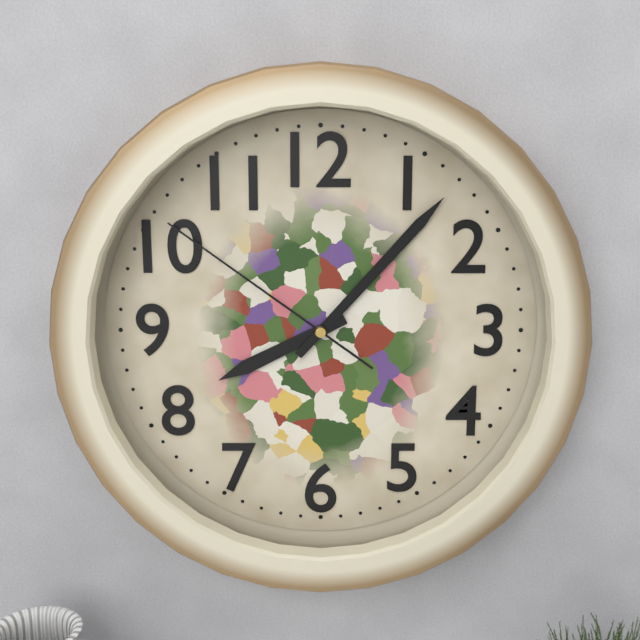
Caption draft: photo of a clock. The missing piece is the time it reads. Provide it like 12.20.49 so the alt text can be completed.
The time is 8.07.51
